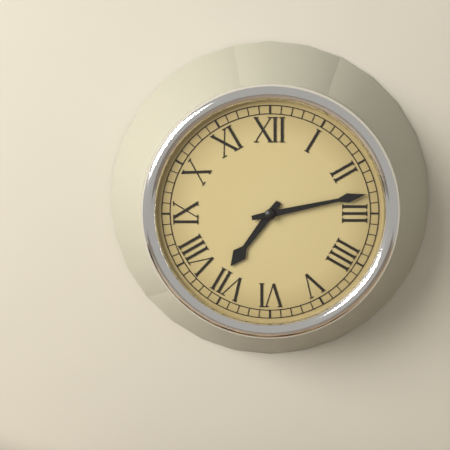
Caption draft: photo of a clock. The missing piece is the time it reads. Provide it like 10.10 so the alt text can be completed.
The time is 7.13
